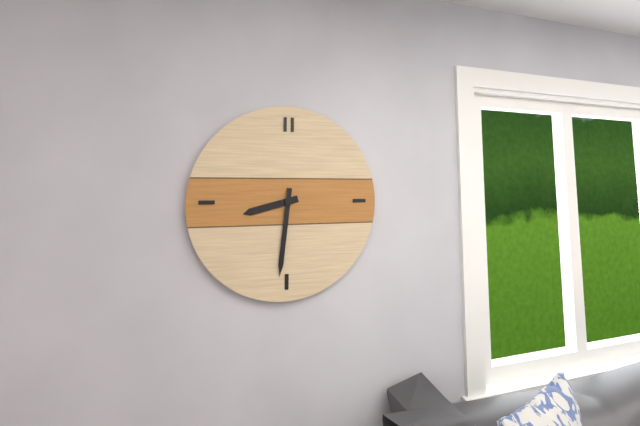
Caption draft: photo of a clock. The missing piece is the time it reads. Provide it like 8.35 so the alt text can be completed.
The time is 8.31
